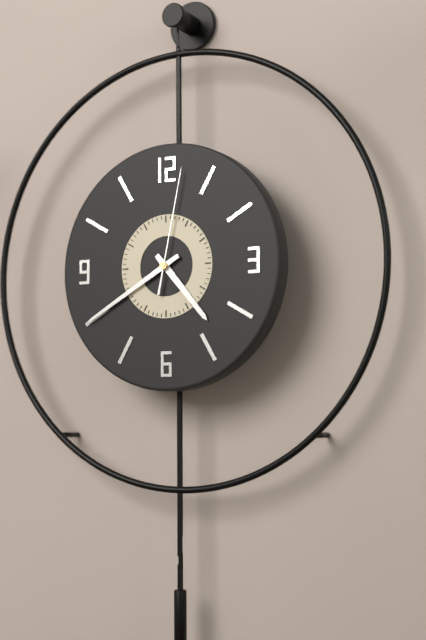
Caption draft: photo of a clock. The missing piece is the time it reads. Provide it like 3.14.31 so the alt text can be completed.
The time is 4.40.02
